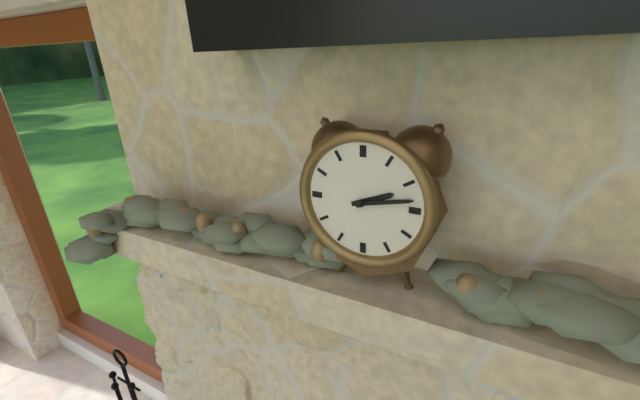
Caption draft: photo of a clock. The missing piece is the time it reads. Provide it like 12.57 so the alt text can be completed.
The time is 2.13
